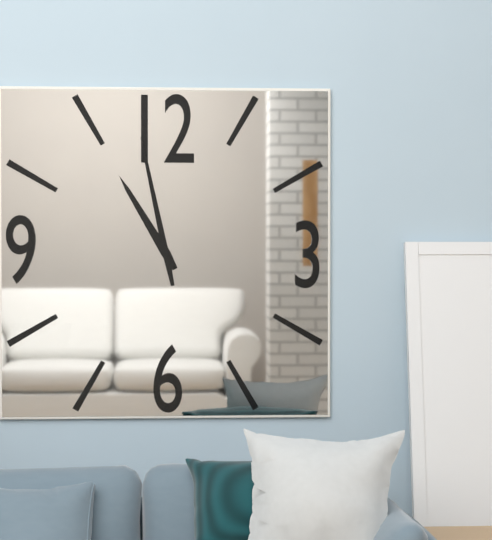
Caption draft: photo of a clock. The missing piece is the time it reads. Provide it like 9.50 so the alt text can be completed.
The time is 10.58
